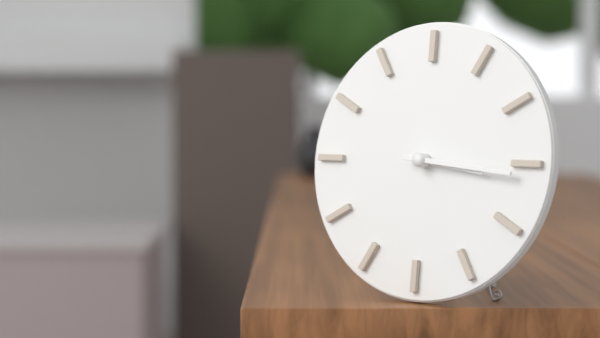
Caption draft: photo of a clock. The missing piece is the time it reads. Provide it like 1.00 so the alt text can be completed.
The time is 3.16
